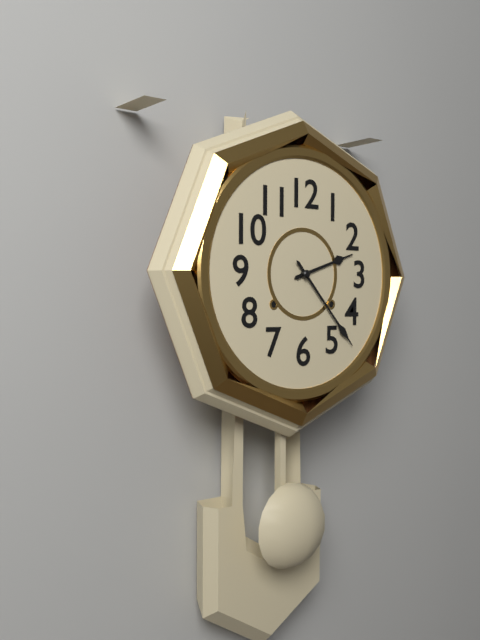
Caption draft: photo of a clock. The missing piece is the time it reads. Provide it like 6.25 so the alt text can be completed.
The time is 2.23
